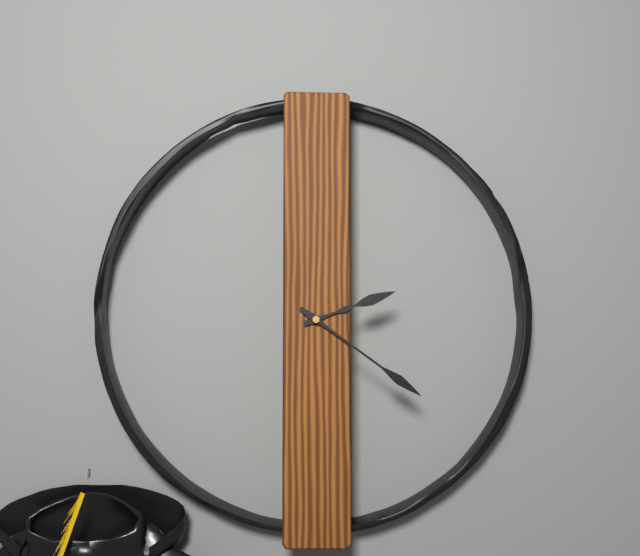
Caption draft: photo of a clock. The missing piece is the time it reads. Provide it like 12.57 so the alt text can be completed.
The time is 2.21
